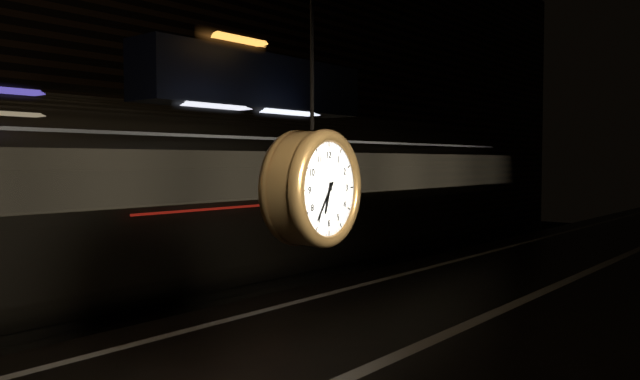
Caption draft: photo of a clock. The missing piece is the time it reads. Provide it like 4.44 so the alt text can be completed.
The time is 6.36
